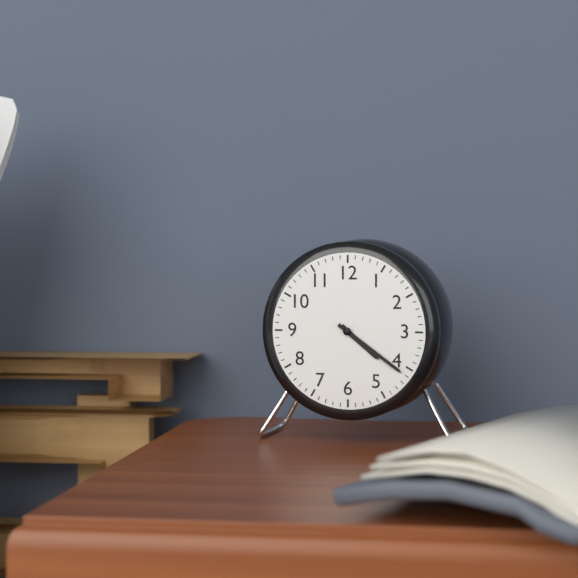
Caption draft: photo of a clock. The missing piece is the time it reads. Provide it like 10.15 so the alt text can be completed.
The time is 4.21
